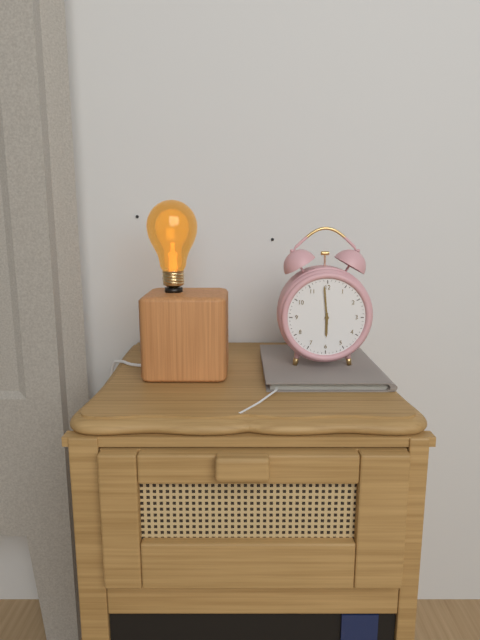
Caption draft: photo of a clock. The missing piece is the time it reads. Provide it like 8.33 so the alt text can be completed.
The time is 5.59
